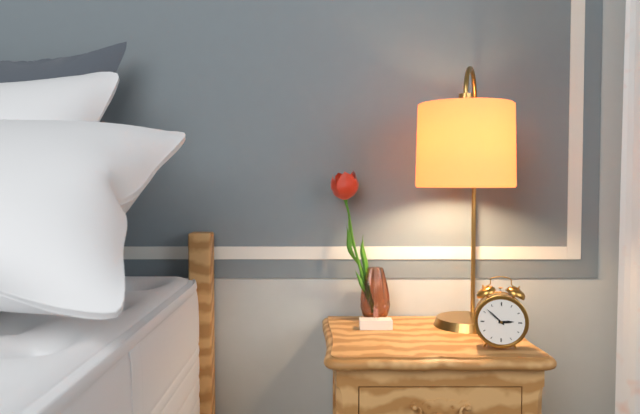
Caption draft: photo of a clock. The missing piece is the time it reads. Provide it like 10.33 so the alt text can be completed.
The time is 2.52
